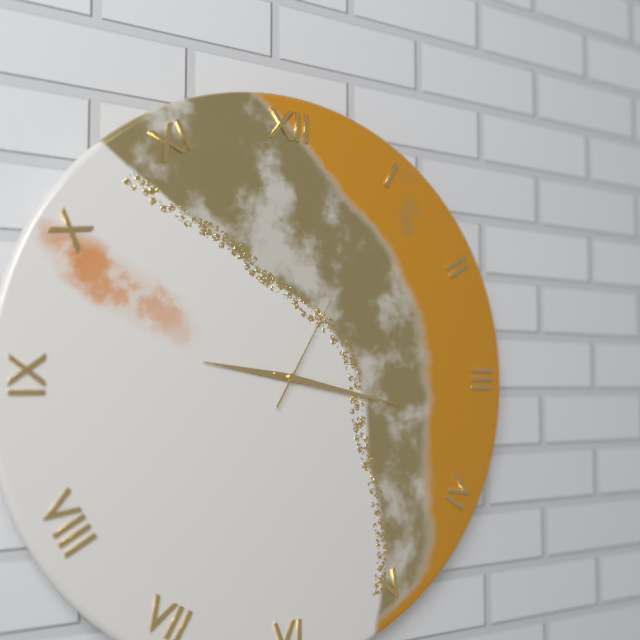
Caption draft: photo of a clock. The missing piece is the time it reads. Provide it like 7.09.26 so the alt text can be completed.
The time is 9.17.05
